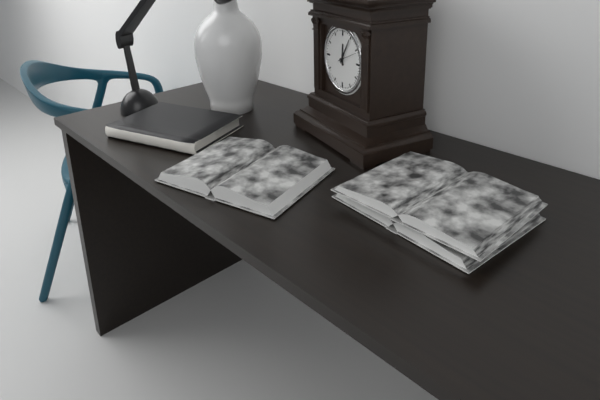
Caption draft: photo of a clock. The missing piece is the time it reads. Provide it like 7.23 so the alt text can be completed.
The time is 12.05
